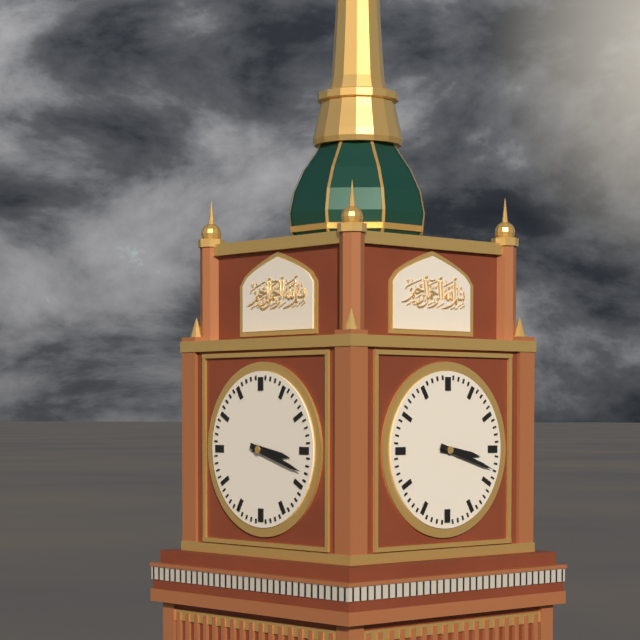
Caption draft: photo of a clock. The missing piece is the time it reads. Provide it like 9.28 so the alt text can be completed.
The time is 3.18
